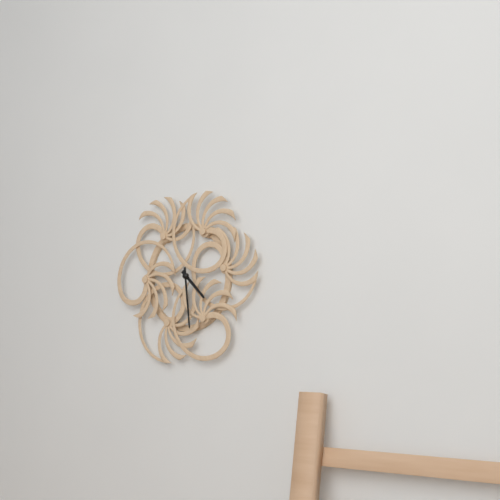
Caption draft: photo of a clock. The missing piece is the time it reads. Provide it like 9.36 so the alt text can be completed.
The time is 4.29
